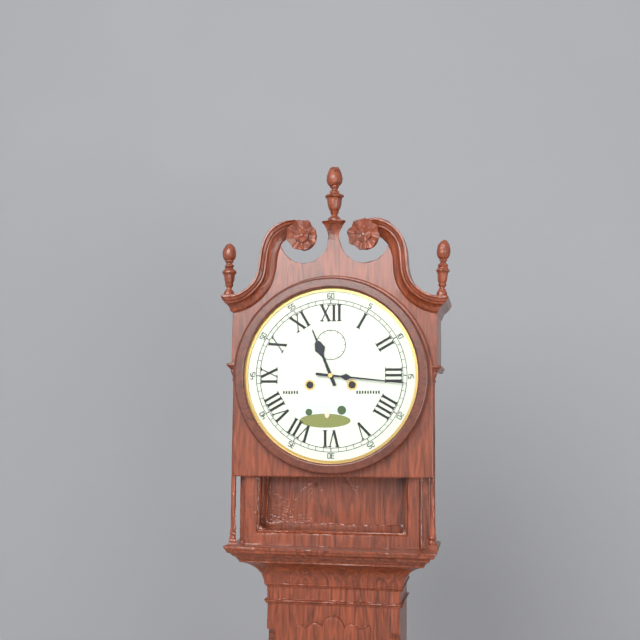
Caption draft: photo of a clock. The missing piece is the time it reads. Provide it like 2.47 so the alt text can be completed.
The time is 11.16
